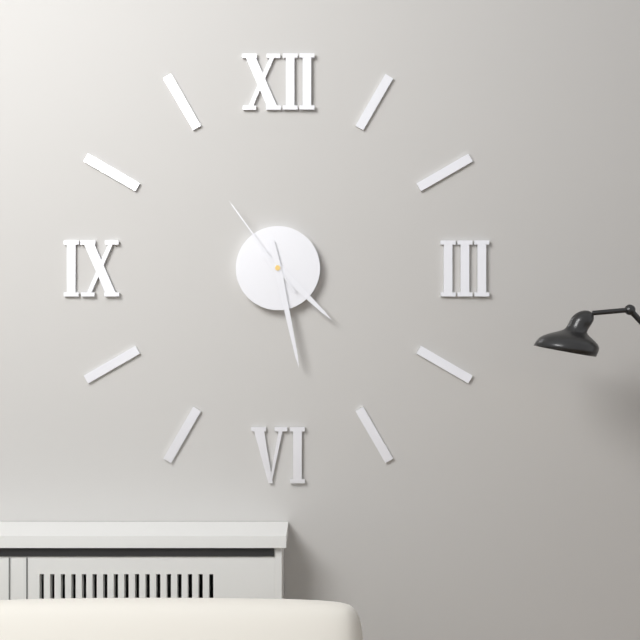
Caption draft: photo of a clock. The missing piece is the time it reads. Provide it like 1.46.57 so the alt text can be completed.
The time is 4.28.54
